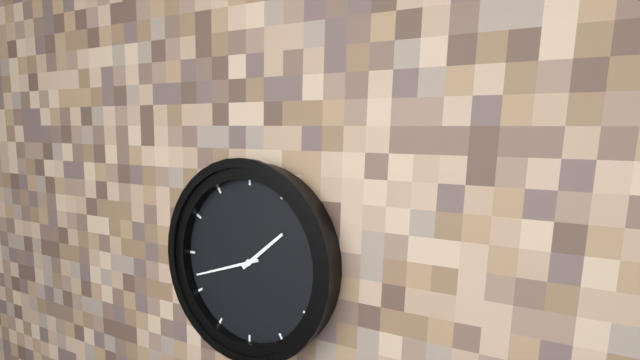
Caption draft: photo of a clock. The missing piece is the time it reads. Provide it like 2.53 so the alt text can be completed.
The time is 1.42
